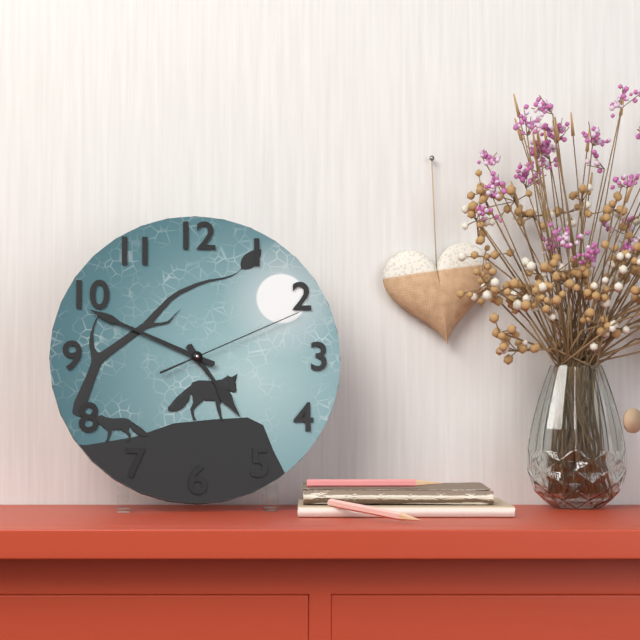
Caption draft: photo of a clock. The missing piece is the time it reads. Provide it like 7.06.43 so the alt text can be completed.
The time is 4.49.11
